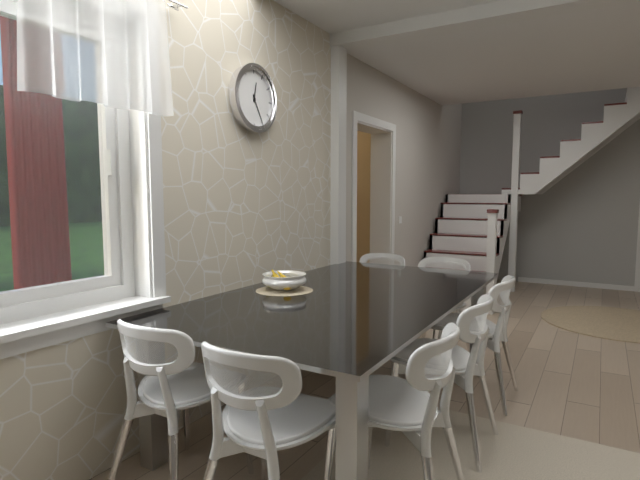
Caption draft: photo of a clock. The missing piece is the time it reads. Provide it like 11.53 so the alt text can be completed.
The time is 12.25
